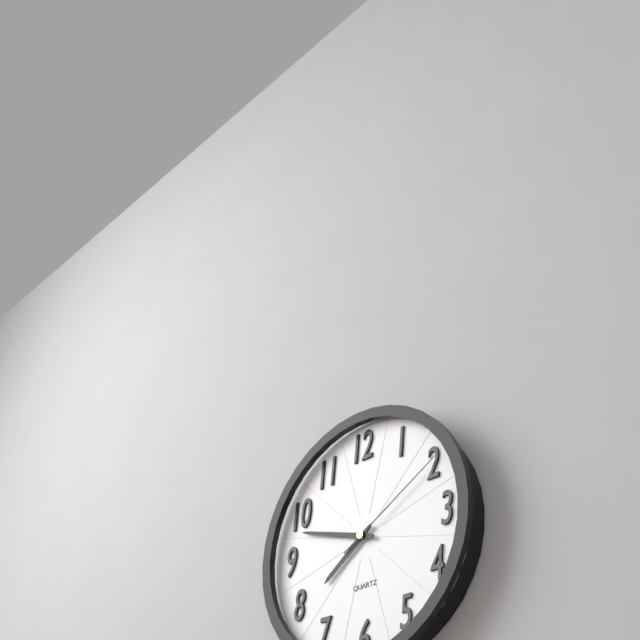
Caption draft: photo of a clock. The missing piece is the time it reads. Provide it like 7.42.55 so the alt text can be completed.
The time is 7.48.10
